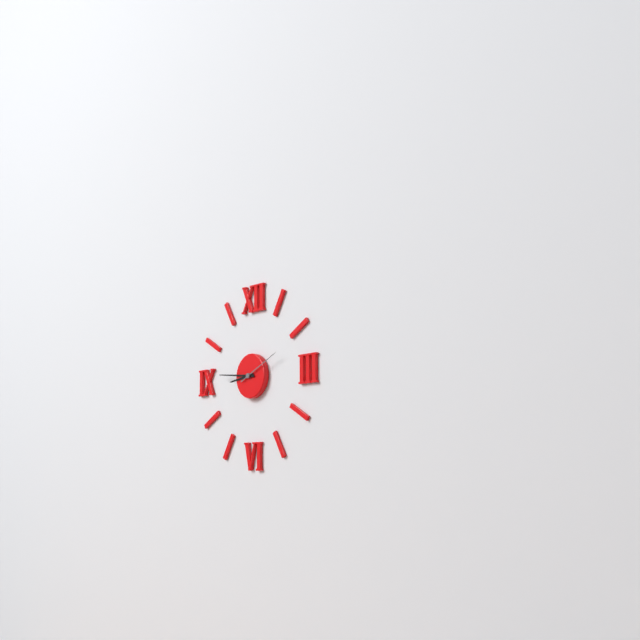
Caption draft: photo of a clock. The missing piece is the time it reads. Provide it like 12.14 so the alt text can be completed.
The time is 8.46
